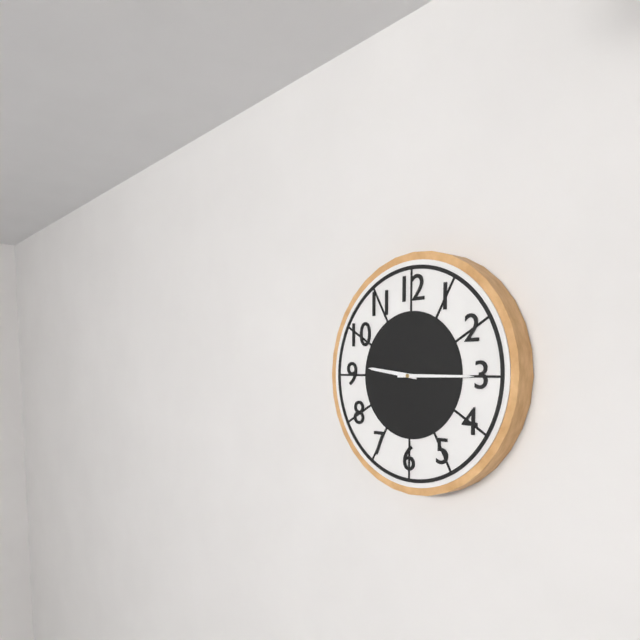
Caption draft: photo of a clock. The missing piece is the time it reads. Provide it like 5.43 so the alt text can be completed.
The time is 9.15
